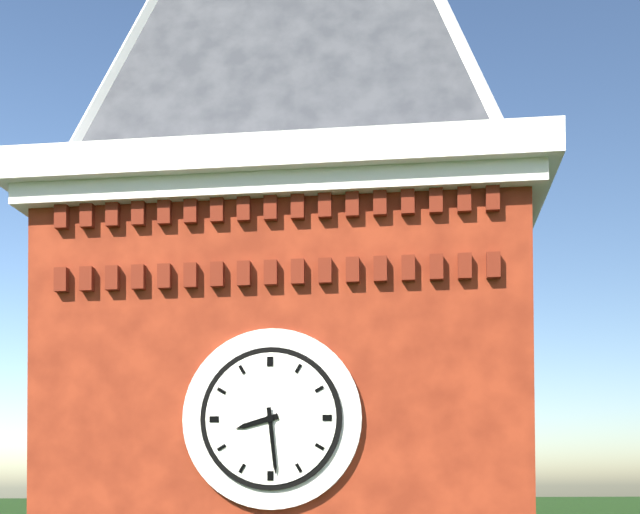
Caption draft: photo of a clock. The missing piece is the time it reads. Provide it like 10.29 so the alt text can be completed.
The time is 8.29
